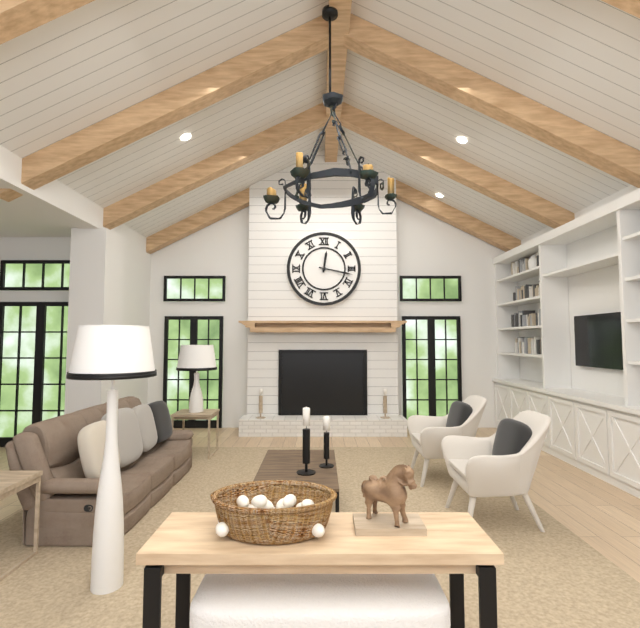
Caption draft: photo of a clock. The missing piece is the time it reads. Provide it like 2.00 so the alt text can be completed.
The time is 12.17
